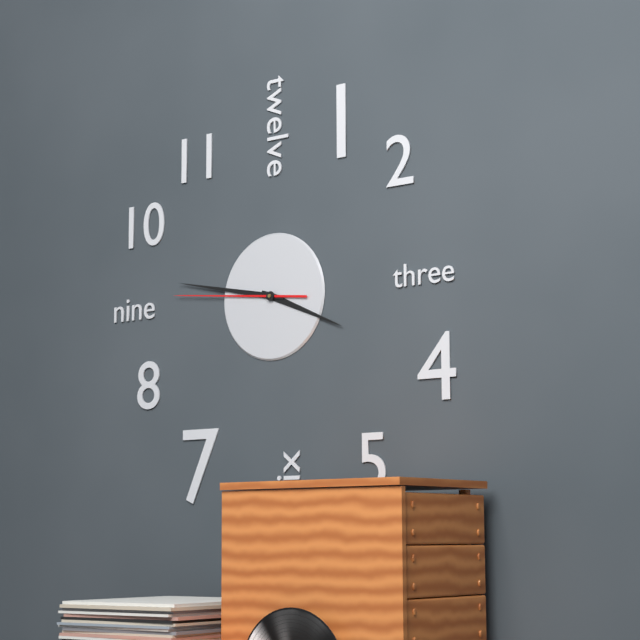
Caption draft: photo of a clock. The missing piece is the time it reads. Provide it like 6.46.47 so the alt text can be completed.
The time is 3.47.46
